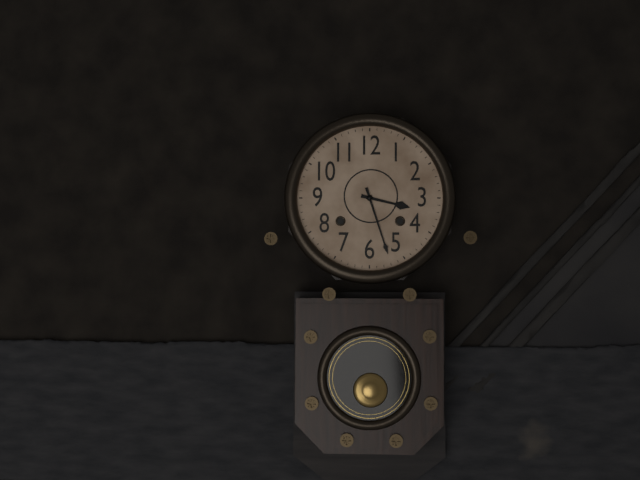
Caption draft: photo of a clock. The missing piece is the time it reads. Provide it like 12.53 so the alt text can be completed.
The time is 3.27
